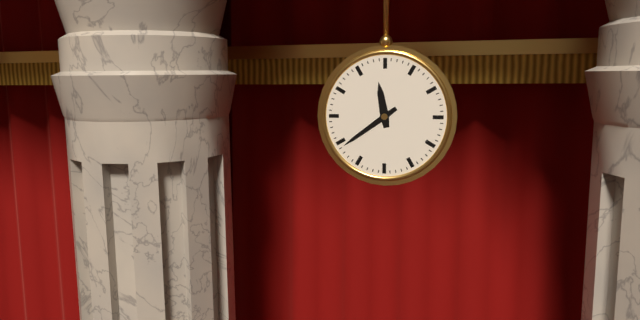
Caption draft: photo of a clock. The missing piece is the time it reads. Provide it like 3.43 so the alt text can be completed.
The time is 11.39
